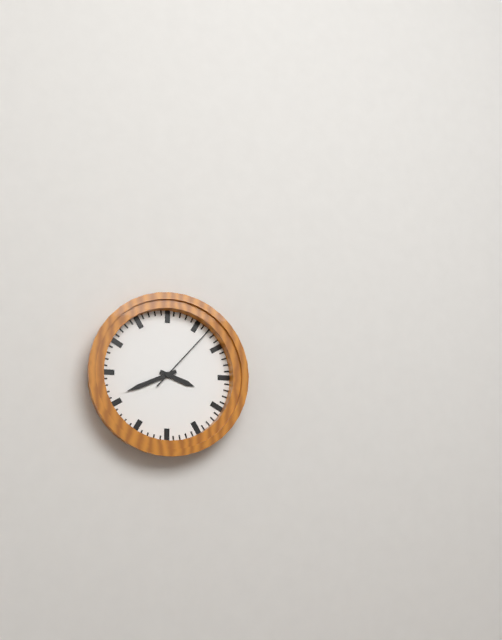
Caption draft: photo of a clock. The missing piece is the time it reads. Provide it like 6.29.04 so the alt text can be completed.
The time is 3.41.07
